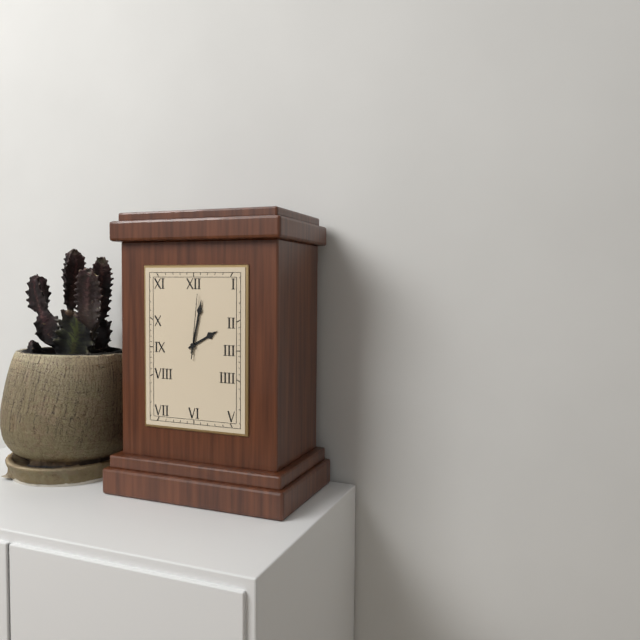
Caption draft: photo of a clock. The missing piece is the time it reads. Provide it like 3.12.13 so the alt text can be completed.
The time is 2.02.01
